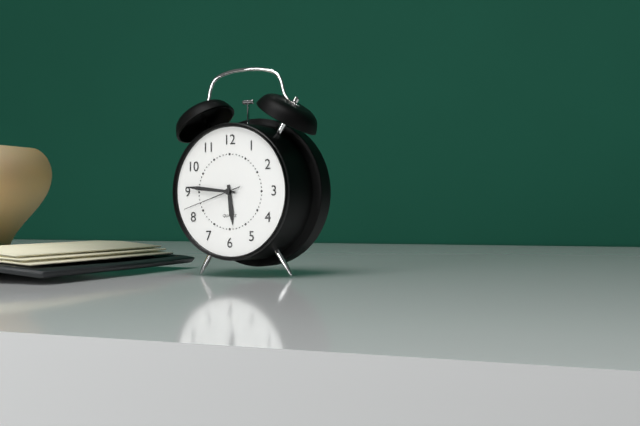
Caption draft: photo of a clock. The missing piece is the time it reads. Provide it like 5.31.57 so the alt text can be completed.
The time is 5.46.42
